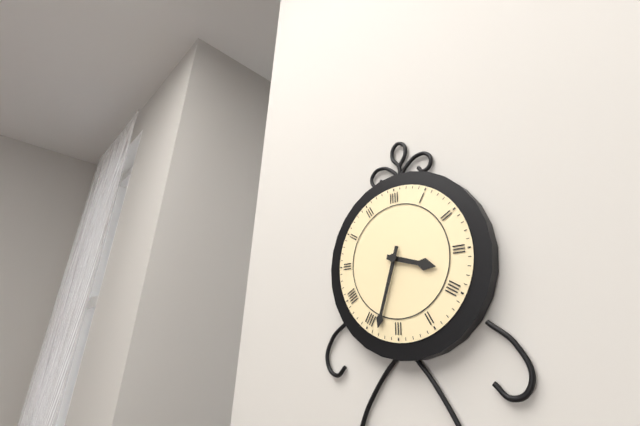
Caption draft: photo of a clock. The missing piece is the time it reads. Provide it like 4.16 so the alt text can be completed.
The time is 3.33
